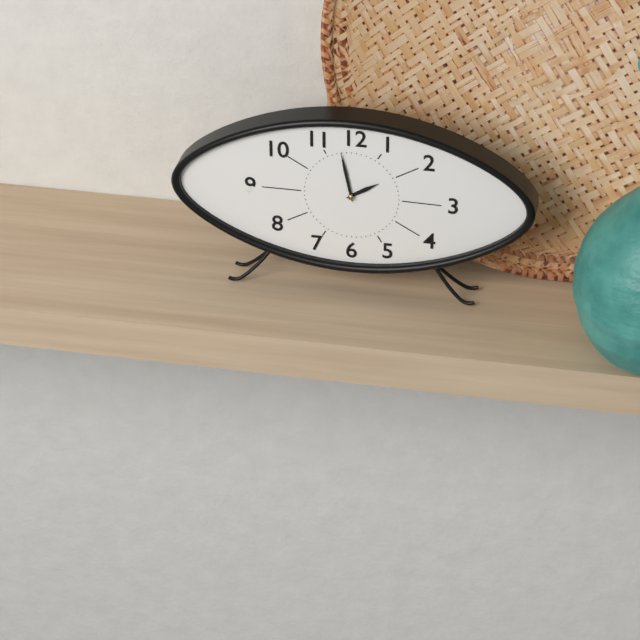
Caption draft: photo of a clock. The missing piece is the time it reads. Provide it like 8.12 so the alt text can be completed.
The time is 1.58
